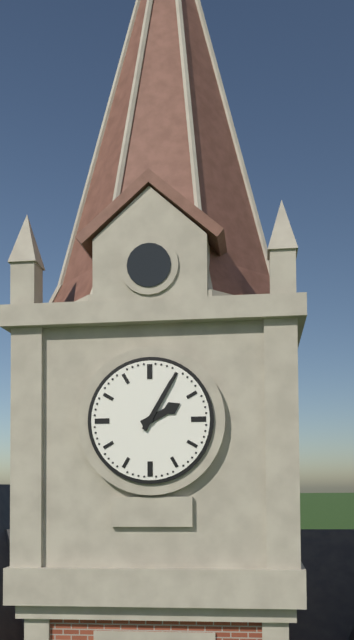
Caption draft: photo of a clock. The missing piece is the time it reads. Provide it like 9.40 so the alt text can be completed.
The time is 2.05
